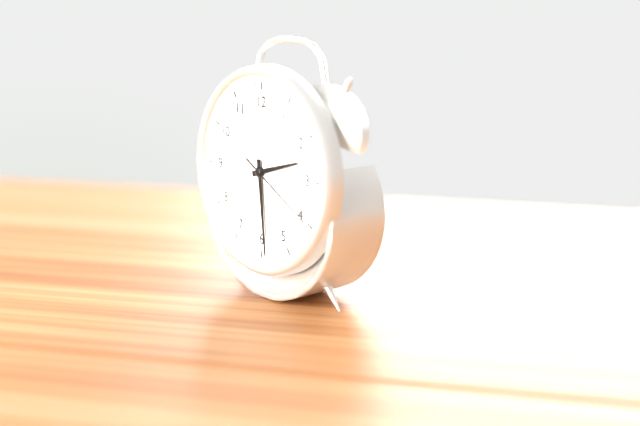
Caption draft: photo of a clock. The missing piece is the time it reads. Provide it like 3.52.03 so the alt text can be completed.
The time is 2.29.20
